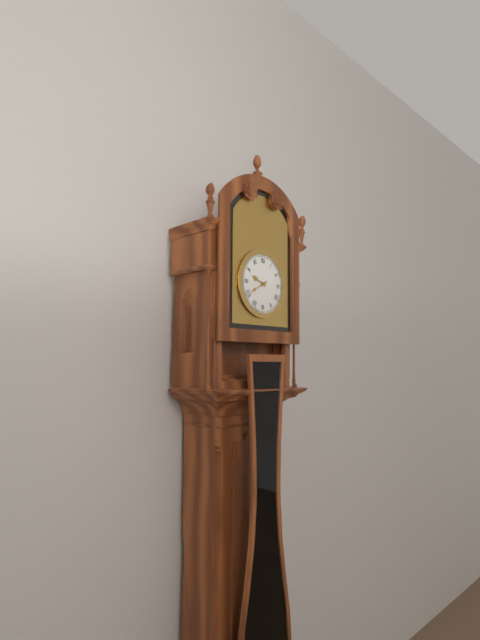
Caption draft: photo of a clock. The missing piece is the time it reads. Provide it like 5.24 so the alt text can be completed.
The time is 9.40
